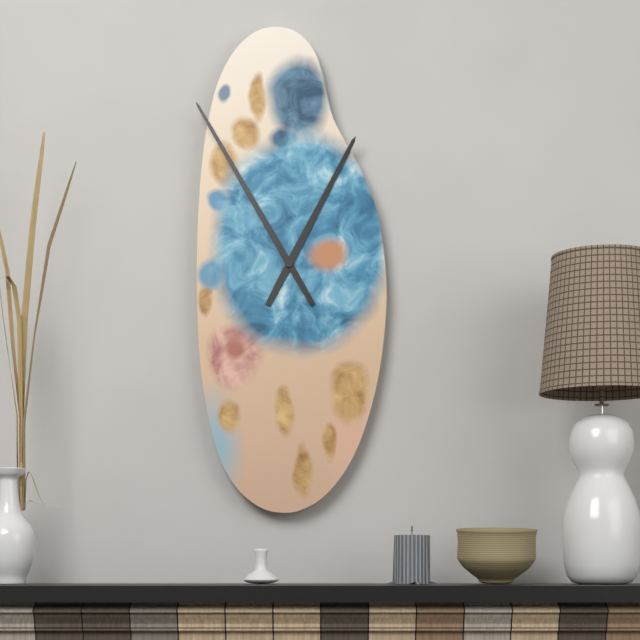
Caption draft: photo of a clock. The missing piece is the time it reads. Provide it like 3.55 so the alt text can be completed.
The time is 12.55
